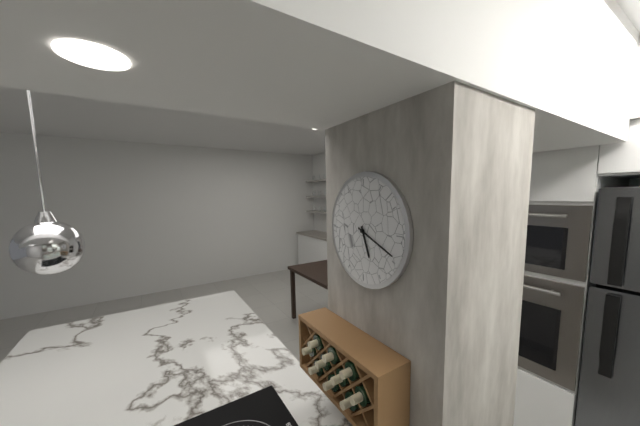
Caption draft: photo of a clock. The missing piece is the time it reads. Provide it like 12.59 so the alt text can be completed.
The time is 5.19
